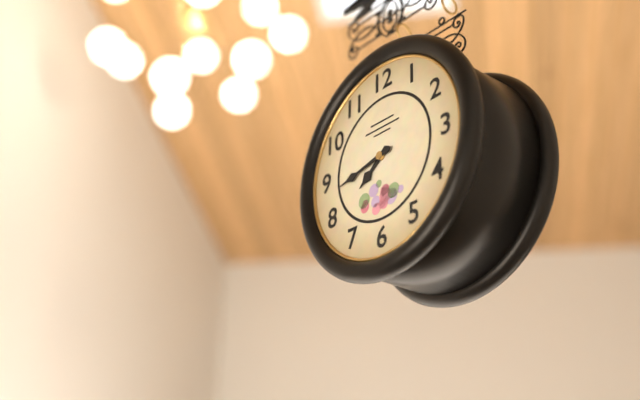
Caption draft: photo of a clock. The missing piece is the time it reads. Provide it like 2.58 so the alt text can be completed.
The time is 7.43
